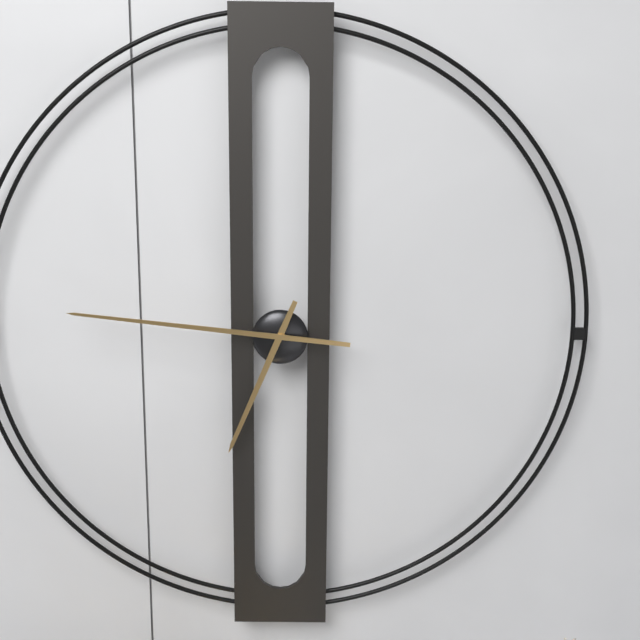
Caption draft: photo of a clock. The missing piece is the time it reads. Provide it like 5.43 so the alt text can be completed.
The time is 6.46
